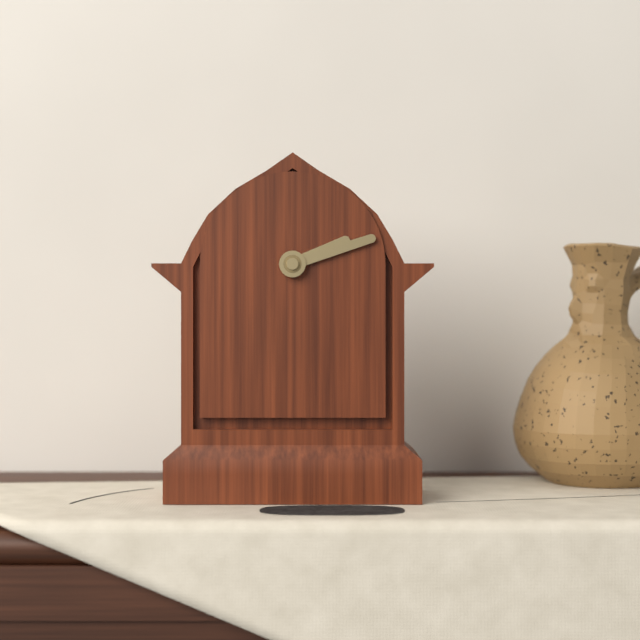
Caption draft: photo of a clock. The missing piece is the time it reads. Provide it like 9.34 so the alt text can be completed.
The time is 2.12
